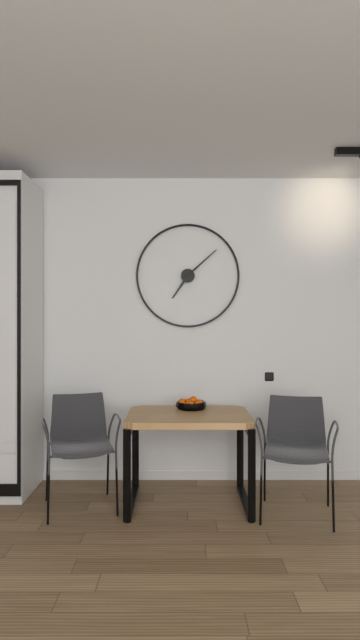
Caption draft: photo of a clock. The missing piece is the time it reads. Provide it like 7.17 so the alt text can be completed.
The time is 7.08
